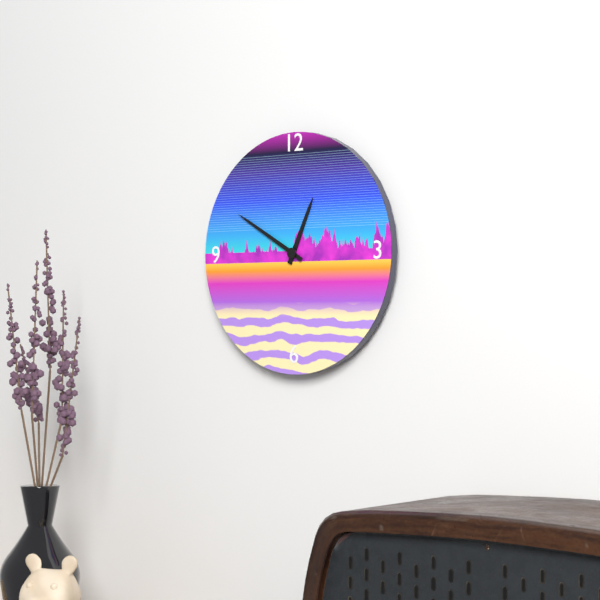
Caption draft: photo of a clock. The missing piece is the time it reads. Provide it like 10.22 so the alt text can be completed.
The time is 12.50
